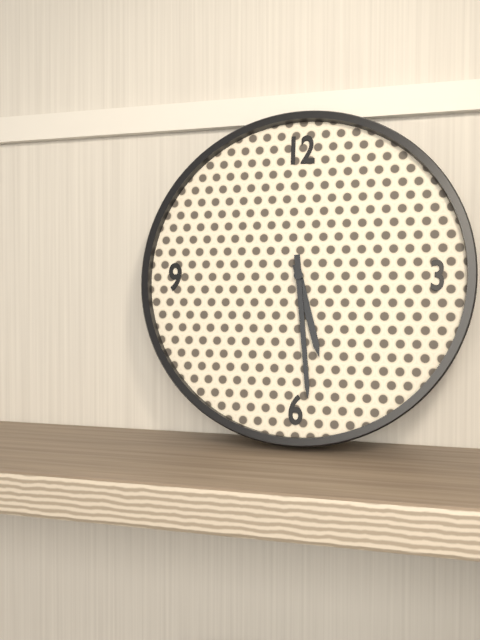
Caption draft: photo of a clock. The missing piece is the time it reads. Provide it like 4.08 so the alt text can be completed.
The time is 5.29
